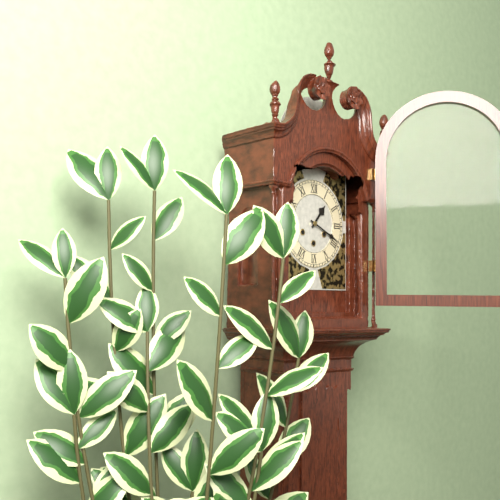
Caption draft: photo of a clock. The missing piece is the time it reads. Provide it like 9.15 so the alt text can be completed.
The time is 1.19
